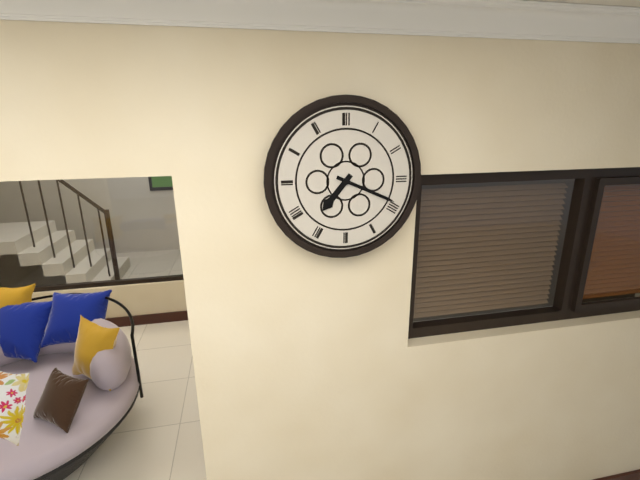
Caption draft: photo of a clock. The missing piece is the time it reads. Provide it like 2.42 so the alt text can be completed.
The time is 7.19
